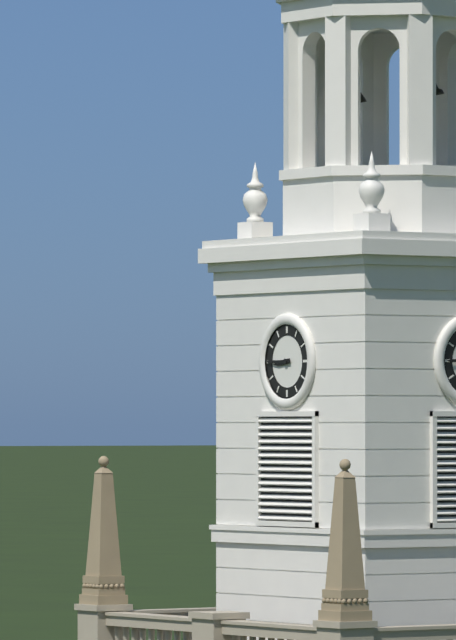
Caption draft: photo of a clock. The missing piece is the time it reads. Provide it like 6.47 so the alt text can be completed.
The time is 8.45
